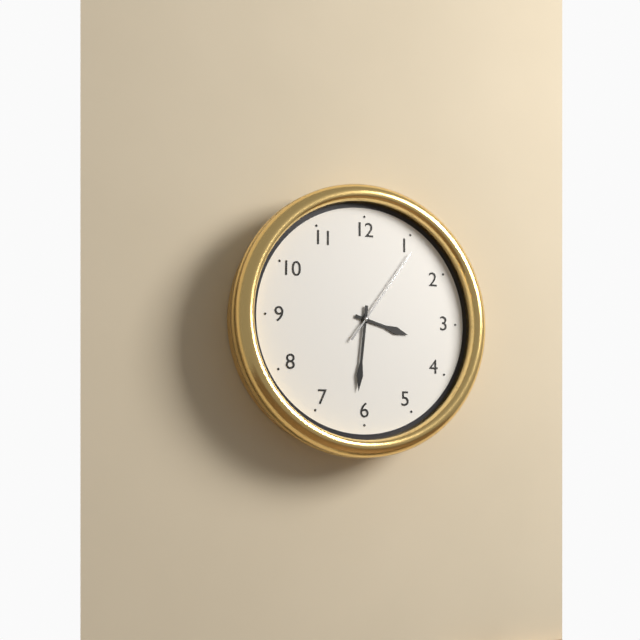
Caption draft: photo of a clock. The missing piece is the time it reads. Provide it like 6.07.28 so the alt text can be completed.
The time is 3.31.06
